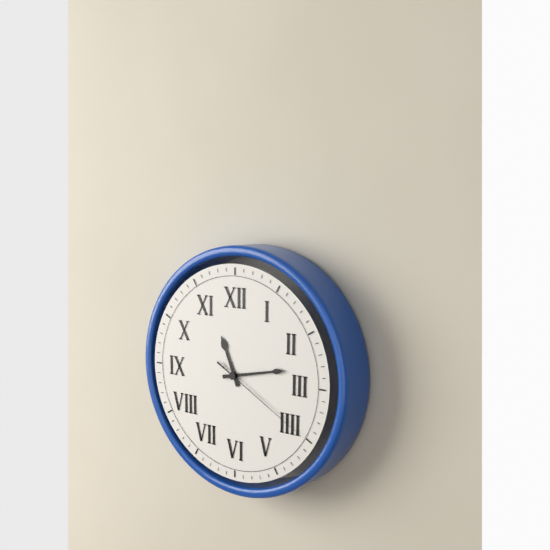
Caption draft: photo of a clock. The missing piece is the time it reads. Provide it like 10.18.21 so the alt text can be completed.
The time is 11.13.20
